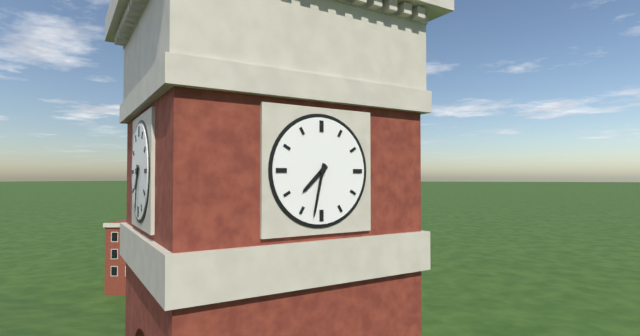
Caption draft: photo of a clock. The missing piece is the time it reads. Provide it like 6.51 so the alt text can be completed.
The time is 7.32
